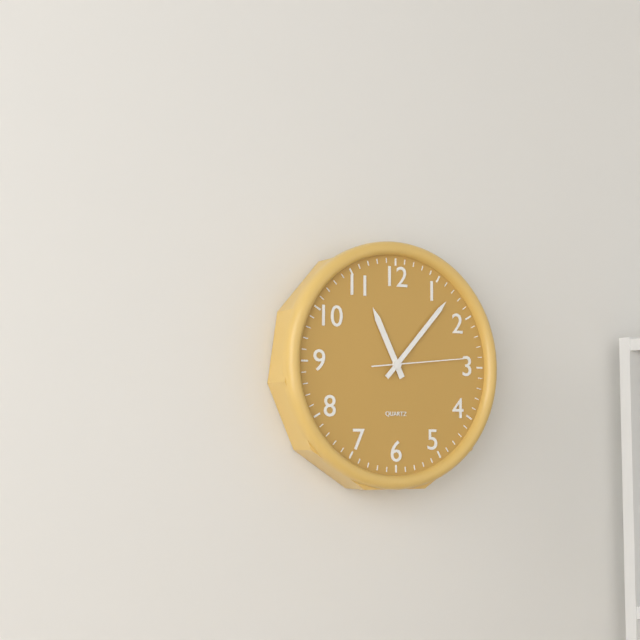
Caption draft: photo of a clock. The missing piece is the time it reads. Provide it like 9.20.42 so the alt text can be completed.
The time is 11.07.14
